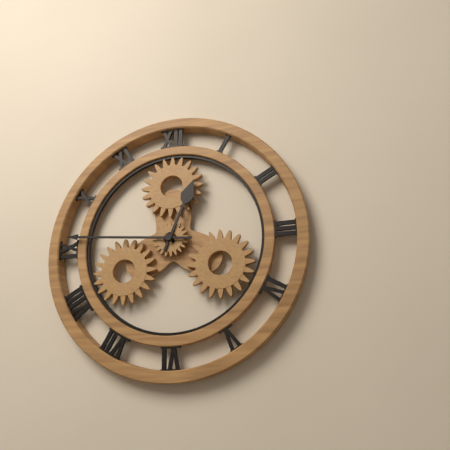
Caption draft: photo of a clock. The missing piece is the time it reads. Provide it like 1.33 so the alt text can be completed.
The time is 12.46
